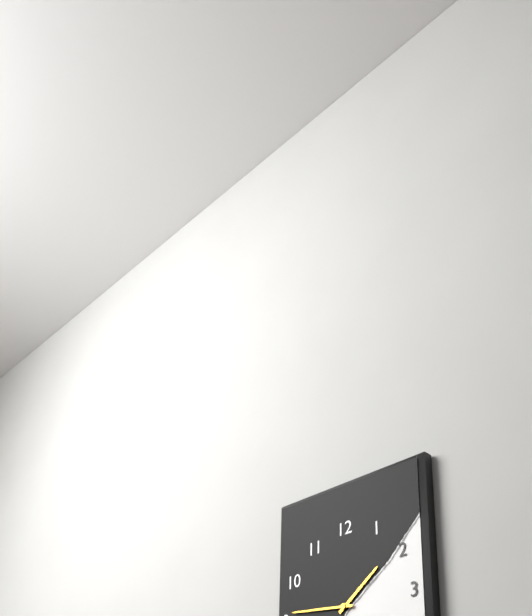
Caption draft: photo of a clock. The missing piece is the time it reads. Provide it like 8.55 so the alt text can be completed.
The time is 1.46
